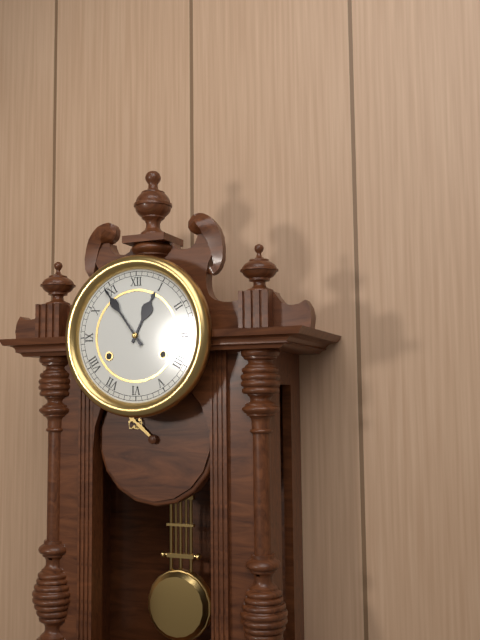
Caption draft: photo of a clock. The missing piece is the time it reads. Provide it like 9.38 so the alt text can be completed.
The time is 12.54
